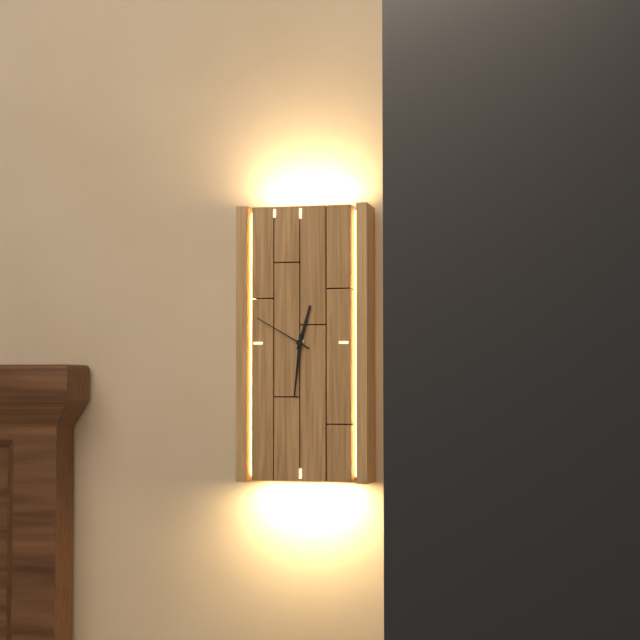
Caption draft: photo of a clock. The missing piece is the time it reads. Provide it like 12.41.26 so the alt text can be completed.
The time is 12.31.50
